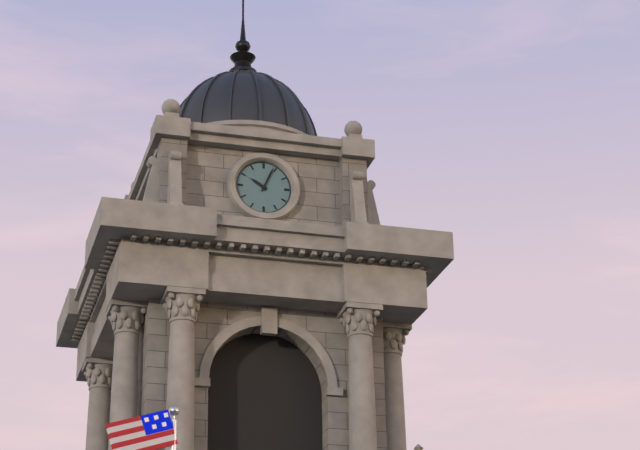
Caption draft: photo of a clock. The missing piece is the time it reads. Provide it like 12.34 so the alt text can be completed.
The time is 10.04
